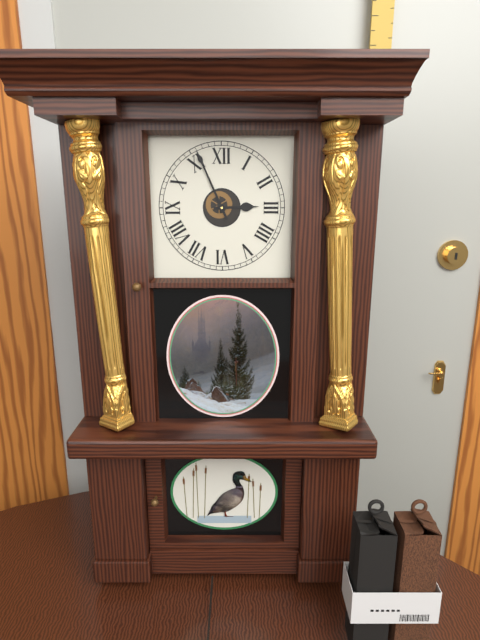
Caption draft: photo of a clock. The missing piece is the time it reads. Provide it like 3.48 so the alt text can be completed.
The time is 2.56
